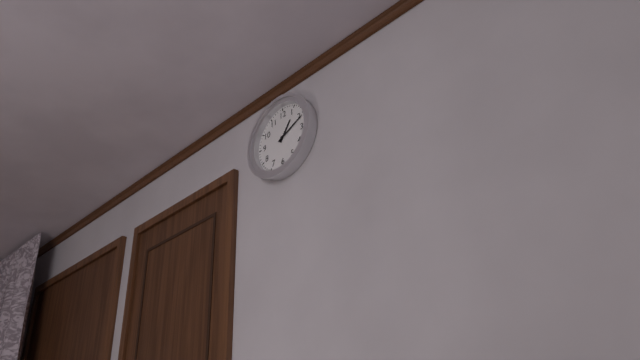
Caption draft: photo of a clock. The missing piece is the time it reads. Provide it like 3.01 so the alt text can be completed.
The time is 1.11
